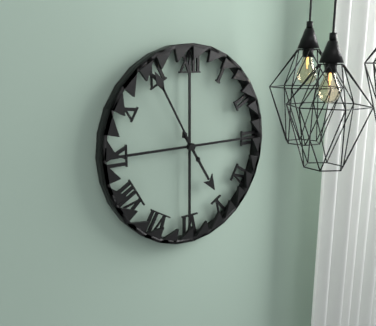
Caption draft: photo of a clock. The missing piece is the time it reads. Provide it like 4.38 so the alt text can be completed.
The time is 4.55
